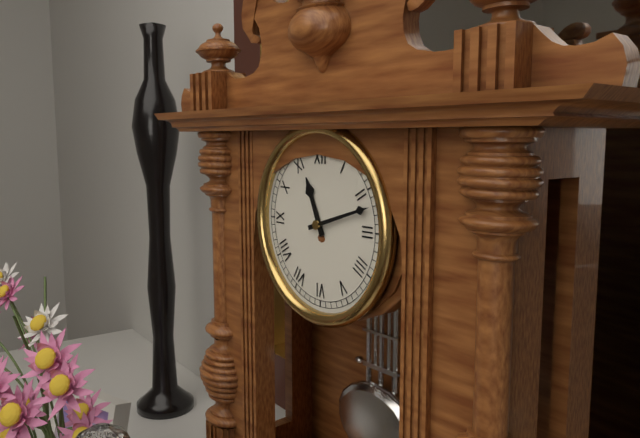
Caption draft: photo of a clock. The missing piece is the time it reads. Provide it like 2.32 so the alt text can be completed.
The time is 11.12
